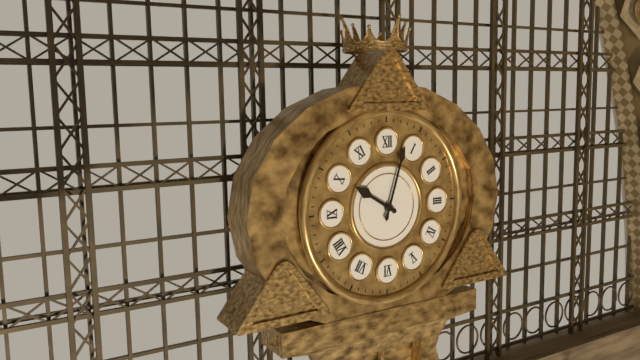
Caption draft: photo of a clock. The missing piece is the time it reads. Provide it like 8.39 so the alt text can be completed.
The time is 10.03
